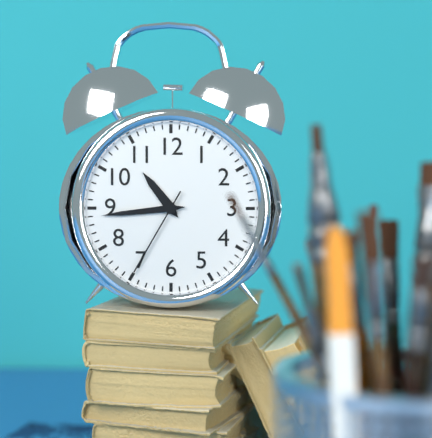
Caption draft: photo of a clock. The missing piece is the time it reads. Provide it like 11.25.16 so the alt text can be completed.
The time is 10.44.35
